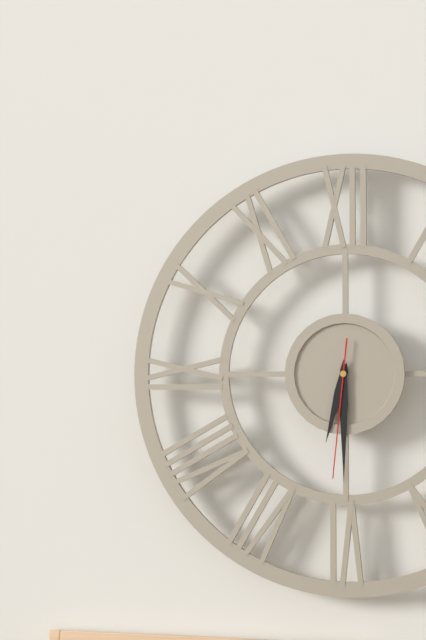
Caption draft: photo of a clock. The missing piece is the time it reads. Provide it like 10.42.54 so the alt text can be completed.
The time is 6.30.31
